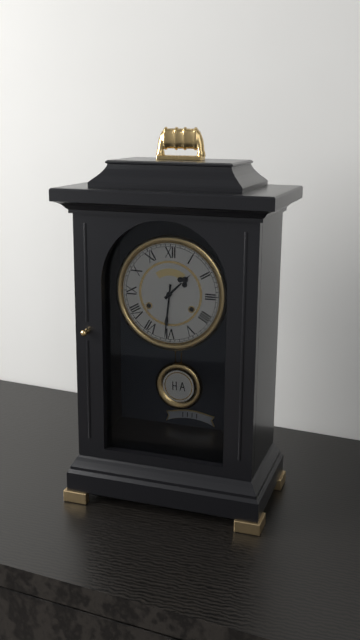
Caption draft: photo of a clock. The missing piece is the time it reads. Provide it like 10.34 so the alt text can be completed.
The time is 1.31
